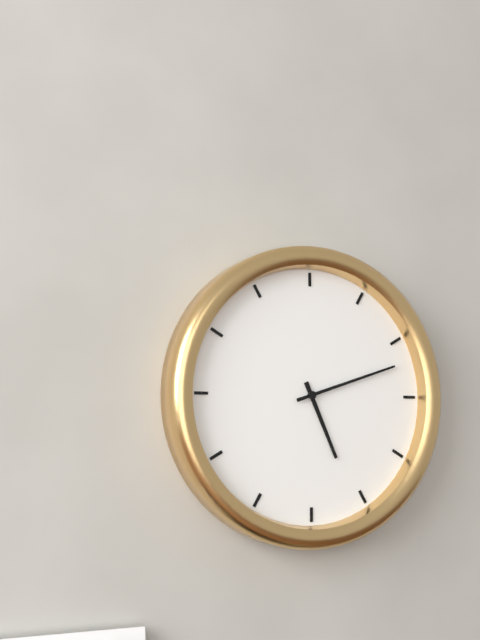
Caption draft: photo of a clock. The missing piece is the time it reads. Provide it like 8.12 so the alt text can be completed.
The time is 5.12
